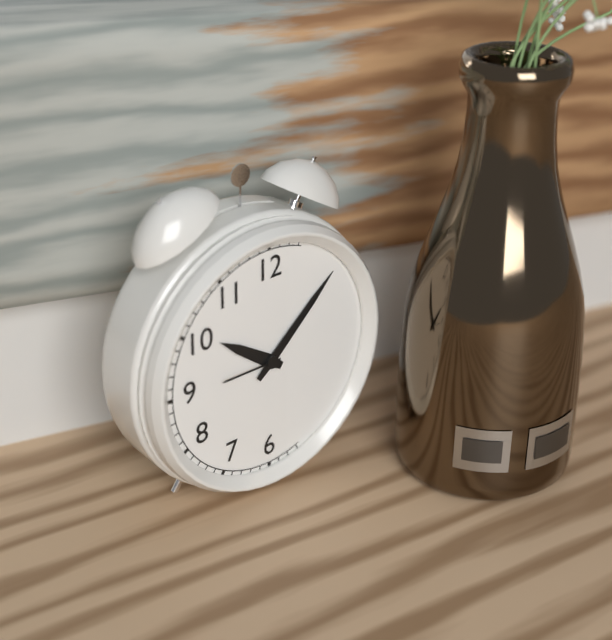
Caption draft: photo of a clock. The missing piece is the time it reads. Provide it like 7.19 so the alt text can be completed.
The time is 10.08
